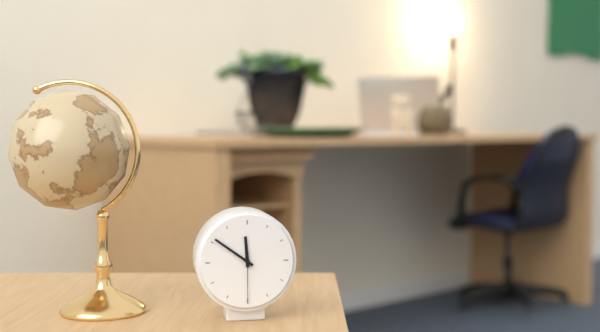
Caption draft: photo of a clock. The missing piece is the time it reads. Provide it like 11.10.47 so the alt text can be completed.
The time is 11.51.30
